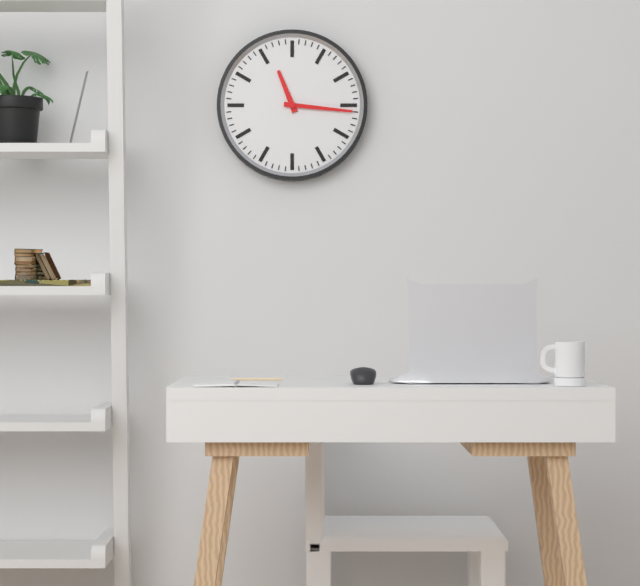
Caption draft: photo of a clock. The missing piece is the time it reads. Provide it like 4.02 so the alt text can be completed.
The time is 11.16
